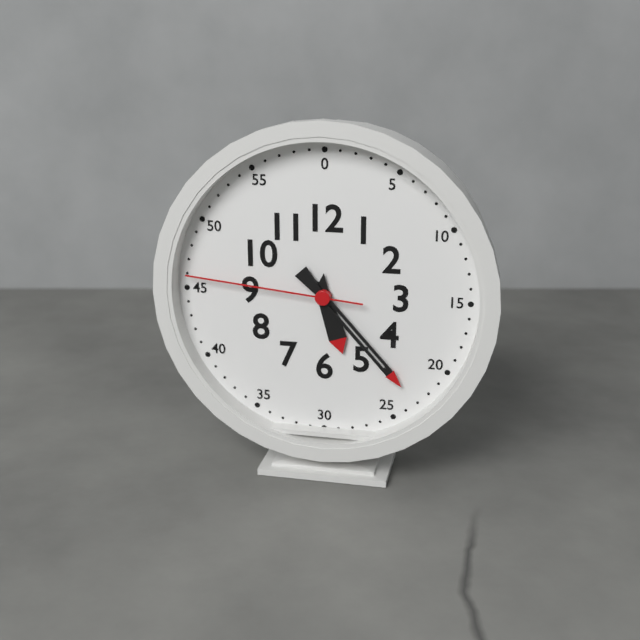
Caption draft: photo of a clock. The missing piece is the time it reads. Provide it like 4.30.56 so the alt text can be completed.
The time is 5.23.46
